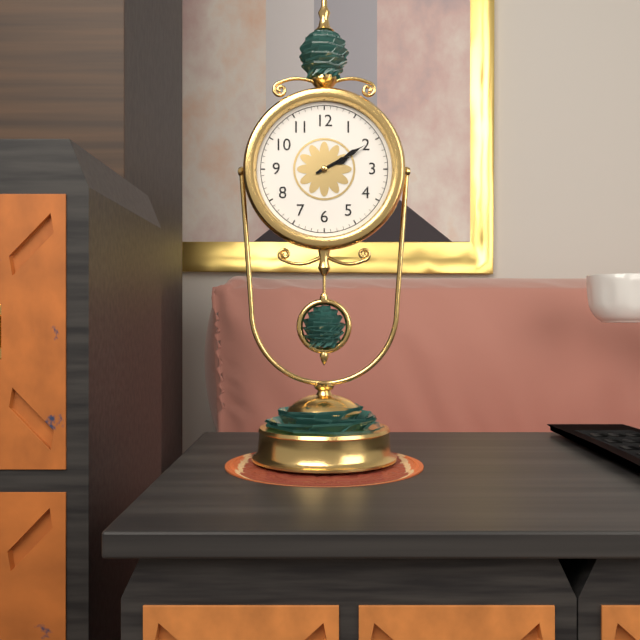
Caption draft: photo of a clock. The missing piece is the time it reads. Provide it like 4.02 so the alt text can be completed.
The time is 2.10
